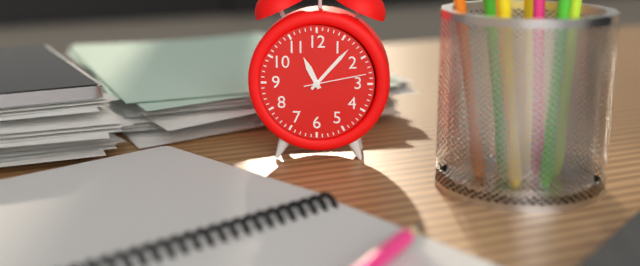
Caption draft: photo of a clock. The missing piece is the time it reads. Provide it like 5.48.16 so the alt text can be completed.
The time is 11.07.13
